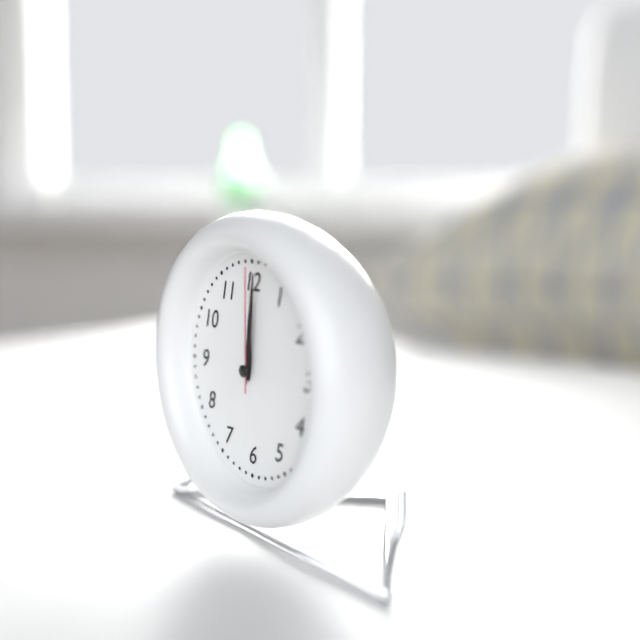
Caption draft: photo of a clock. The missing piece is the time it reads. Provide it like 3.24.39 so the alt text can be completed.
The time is 12.01.00
